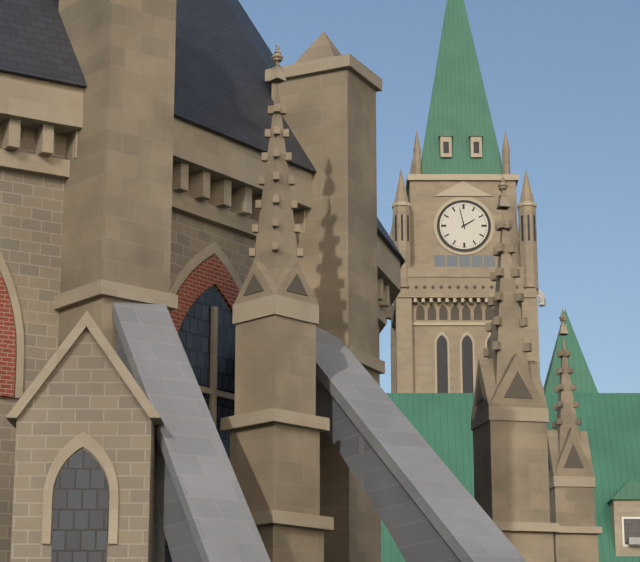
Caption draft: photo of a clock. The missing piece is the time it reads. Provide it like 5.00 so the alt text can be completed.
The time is 1.58
